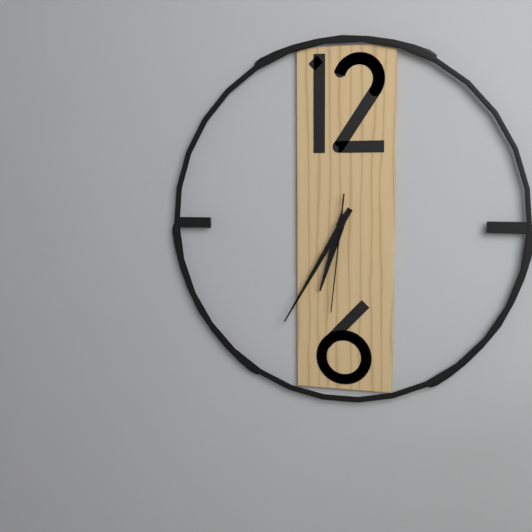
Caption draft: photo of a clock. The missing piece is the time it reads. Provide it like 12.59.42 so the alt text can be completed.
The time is 6.35.31
